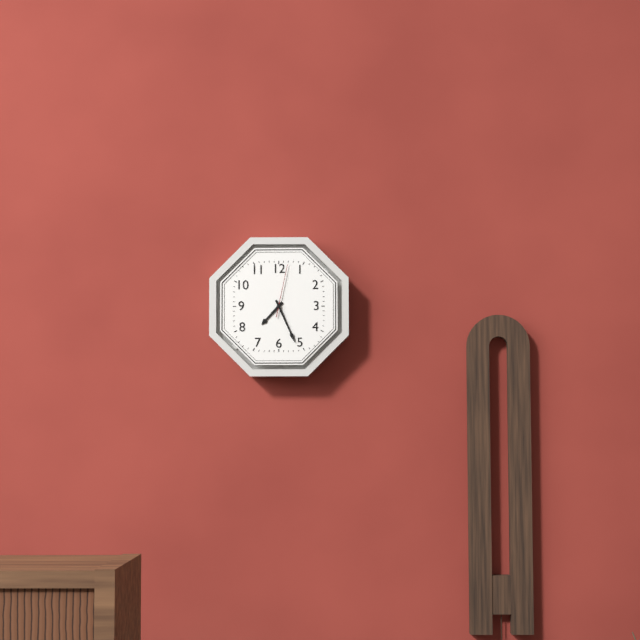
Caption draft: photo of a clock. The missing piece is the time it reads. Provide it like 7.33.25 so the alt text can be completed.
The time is 7.26.02
